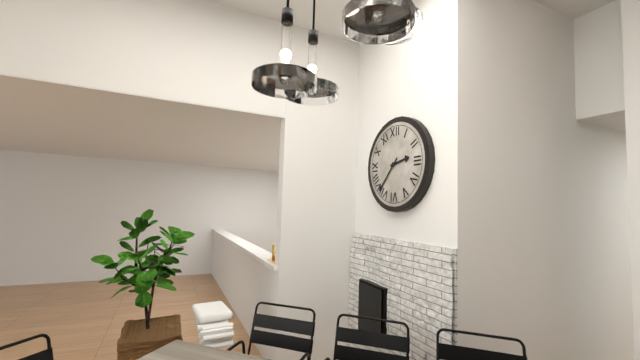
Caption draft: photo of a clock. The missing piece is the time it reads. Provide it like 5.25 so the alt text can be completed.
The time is 2.37
